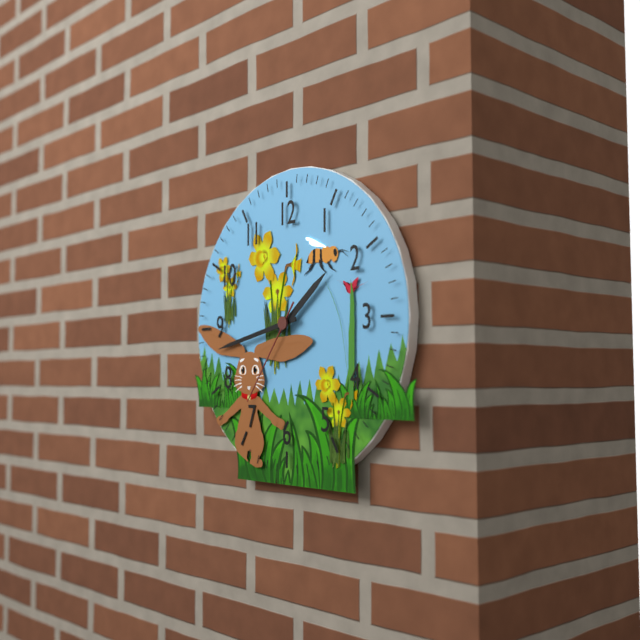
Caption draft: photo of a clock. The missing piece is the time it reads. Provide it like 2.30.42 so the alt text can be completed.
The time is 1.43.36
